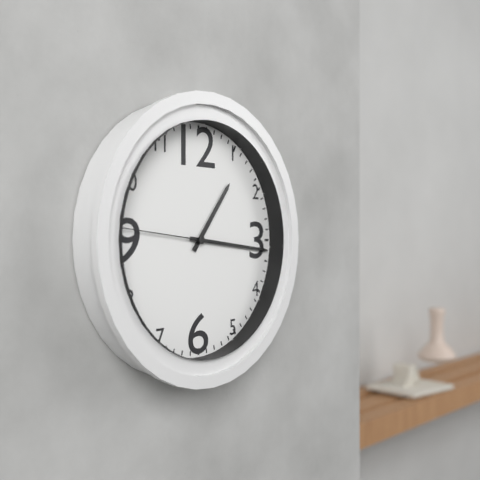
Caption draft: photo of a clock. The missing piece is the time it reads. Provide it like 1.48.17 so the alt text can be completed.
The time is 1.16.46
